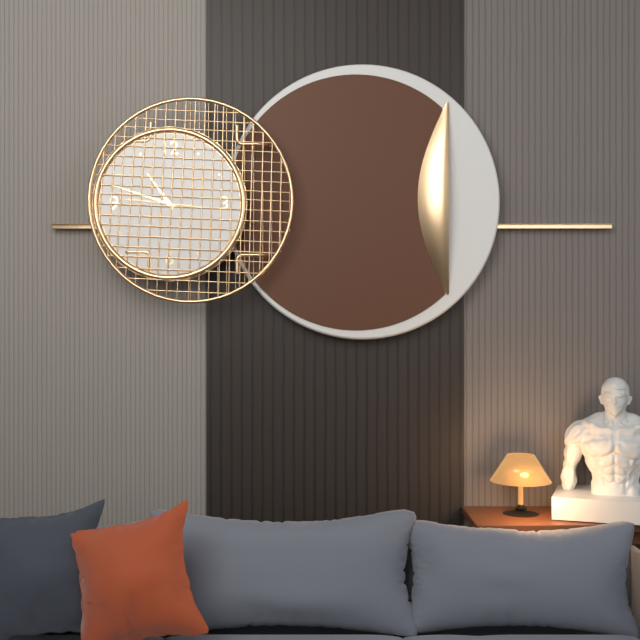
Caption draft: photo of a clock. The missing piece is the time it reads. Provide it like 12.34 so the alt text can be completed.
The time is 10.48
